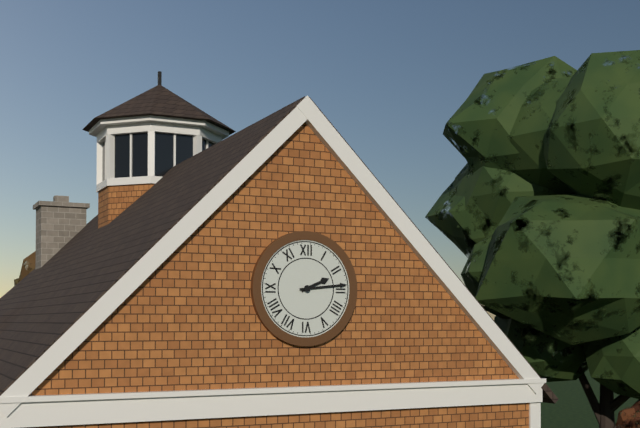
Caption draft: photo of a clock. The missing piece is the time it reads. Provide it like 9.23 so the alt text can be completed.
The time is 2.14
